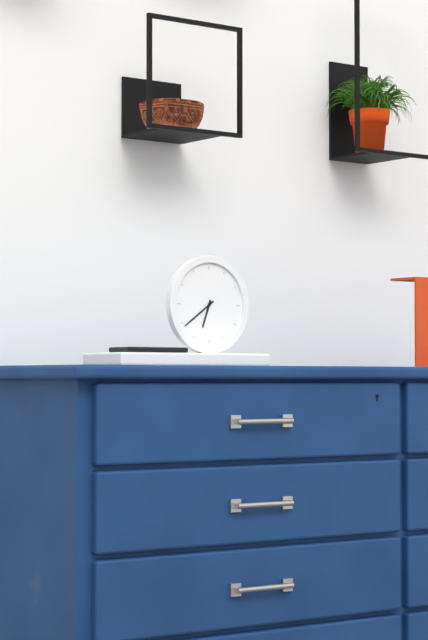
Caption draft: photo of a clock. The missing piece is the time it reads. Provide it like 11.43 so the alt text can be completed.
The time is 6.39
